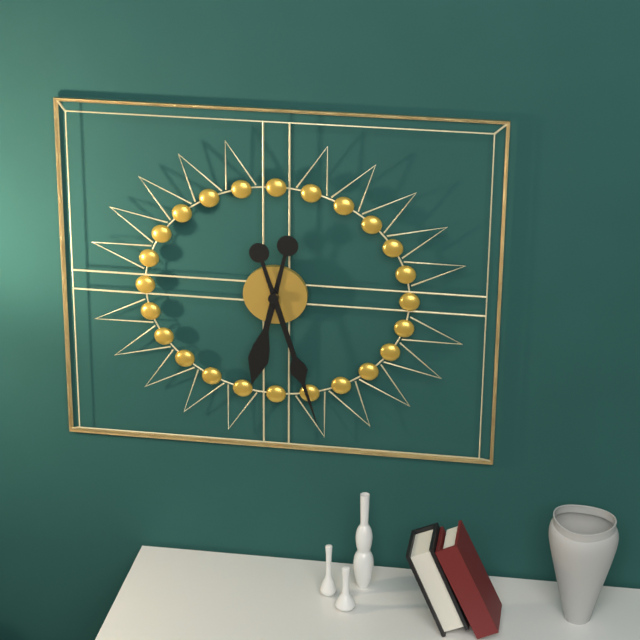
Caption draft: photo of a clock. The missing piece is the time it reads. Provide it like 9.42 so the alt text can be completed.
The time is 6.27
